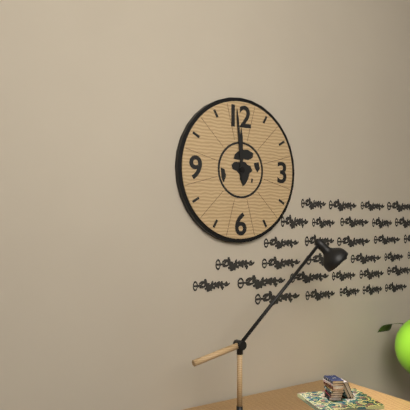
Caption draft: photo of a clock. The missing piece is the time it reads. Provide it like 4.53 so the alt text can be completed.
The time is 11.59
